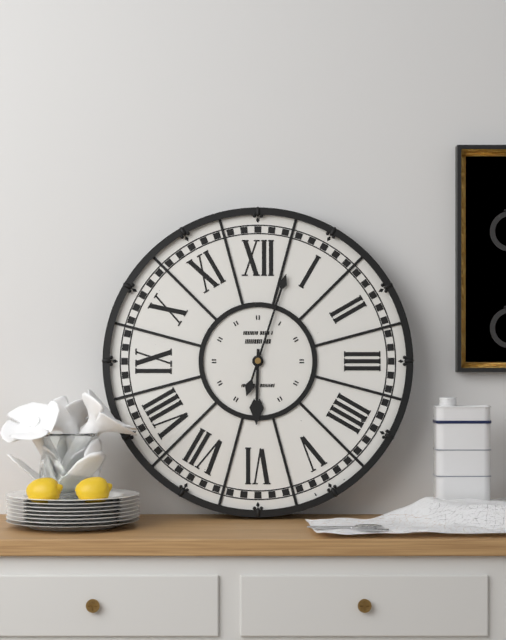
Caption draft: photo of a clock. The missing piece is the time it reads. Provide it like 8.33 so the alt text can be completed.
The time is 6.03
